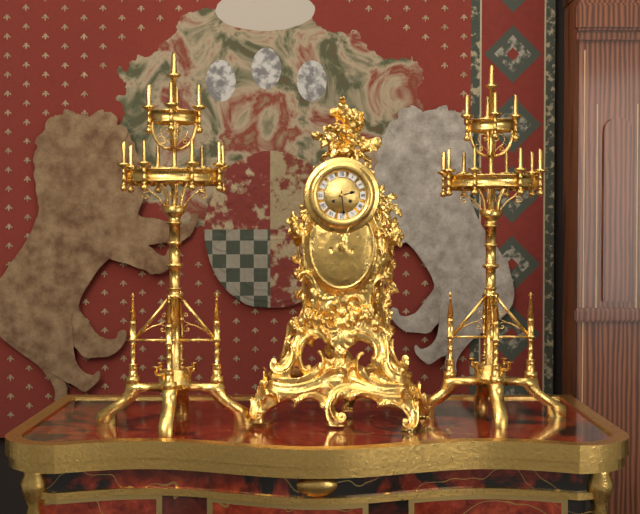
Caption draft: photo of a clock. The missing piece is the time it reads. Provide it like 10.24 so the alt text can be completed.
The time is 2.29
